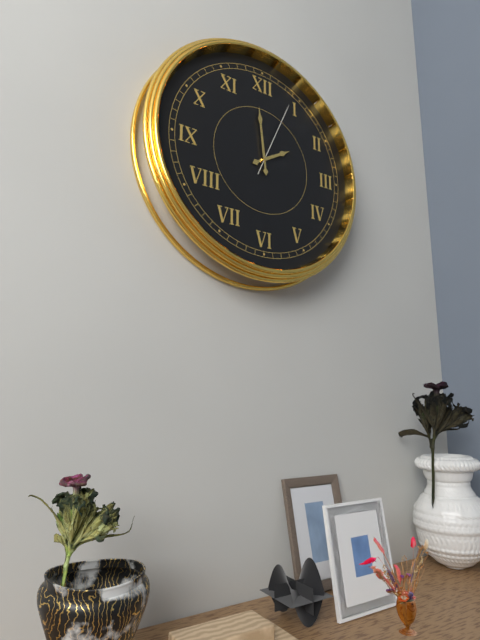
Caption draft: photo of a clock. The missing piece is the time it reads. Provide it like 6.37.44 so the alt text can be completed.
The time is 1.59.04
